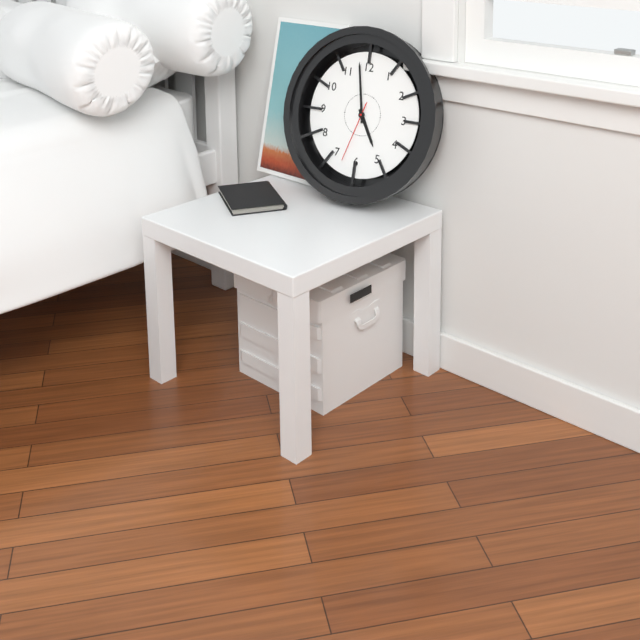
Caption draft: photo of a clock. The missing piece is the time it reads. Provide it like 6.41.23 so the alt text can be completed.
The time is 4.58.33
